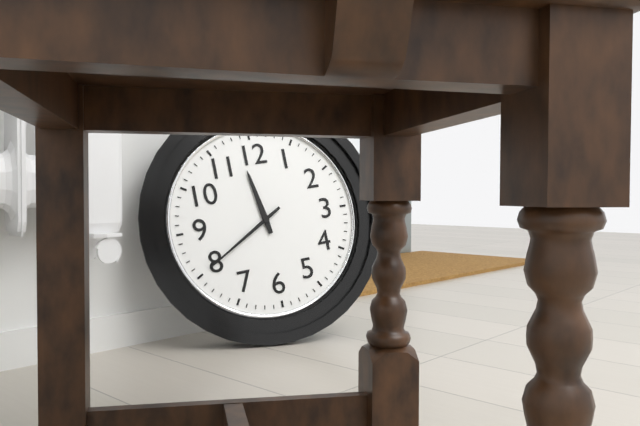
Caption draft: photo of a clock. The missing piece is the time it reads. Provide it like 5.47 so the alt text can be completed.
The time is 11.40
